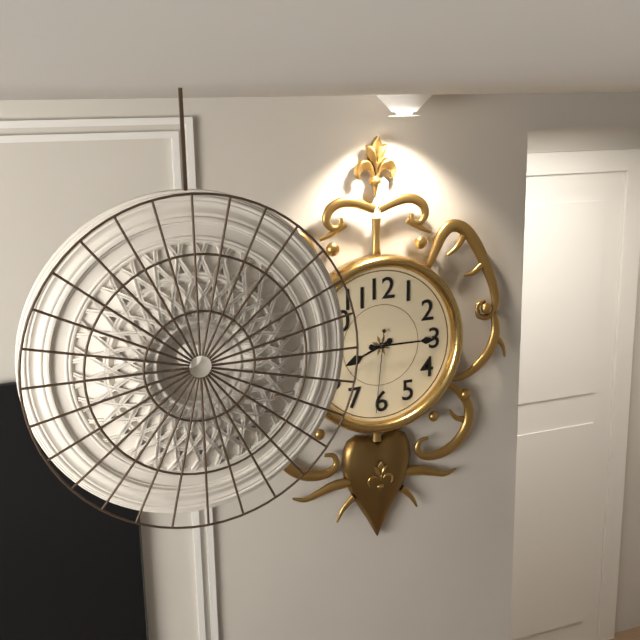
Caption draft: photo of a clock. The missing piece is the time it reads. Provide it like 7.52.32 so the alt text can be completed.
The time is 8.15.31
